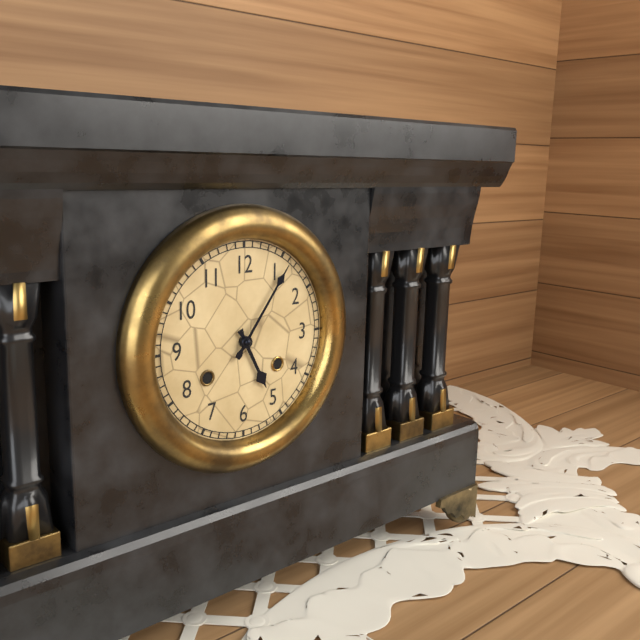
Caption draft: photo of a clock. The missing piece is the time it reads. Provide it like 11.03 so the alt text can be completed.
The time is 5.06
